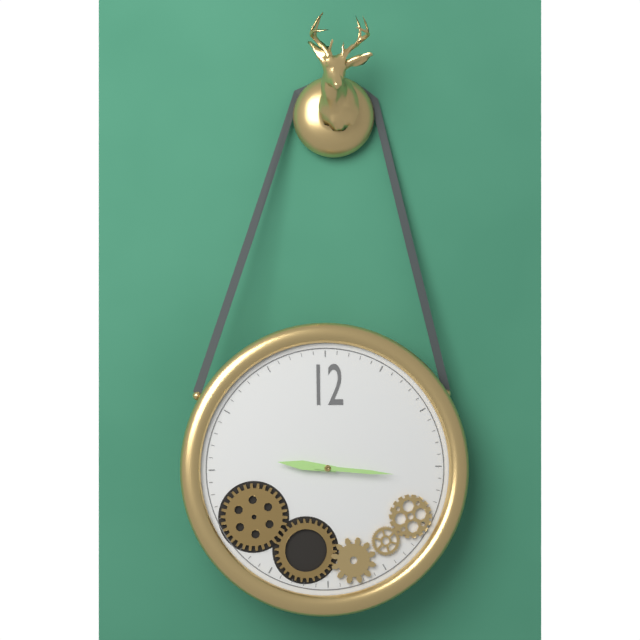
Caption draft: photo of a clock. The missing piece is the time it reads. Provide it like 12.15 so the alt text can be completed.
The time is 9.16
